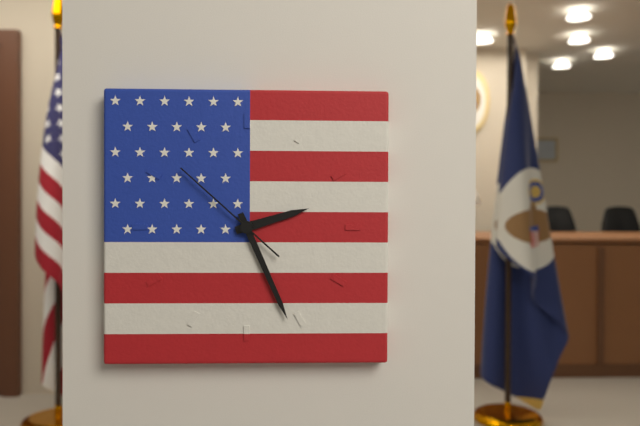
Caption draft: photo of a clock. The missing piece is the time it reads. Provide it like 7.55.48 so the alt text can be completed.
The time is 2.26.52
